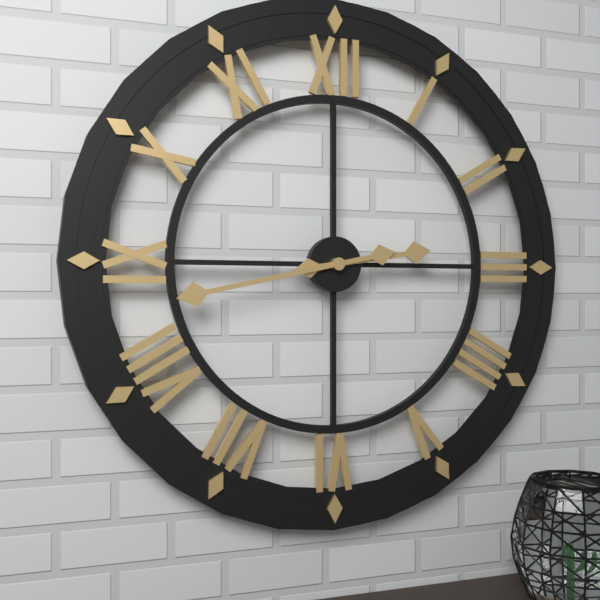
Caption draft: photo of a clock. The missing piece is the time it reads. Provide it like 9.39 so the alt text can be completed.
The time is 2.43
